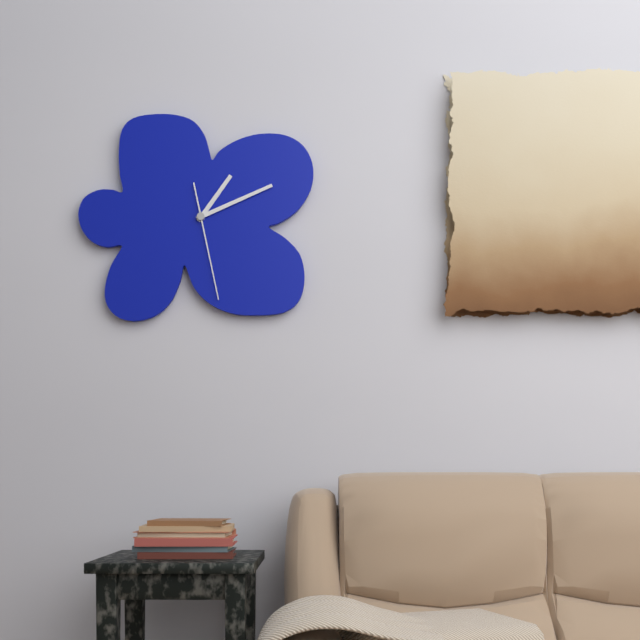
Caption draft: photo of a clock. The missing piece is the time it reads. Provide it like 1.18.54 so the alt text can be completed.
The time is 1.11.28
